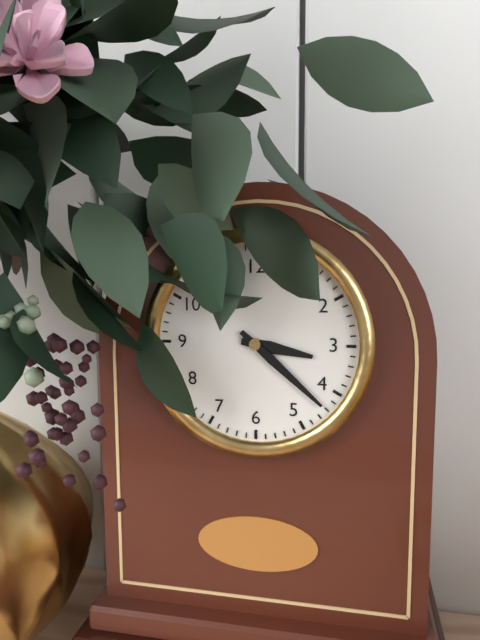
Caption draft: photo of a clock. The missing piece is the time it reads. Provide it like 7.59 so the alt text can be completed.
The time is 3.22
